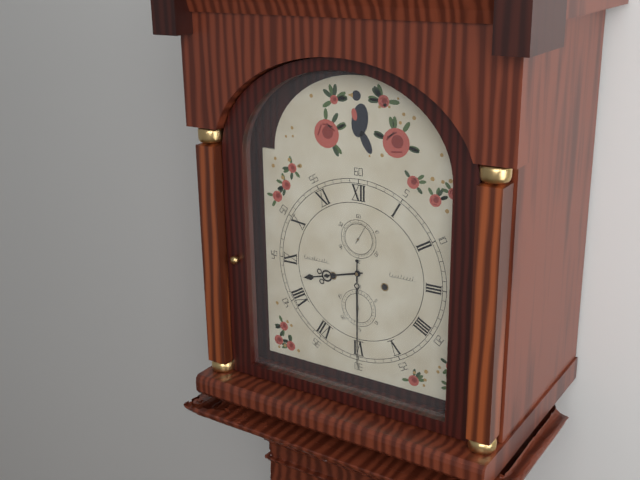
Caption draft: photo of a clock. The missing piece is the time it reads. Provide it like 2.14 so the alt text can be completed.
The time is 8.30
